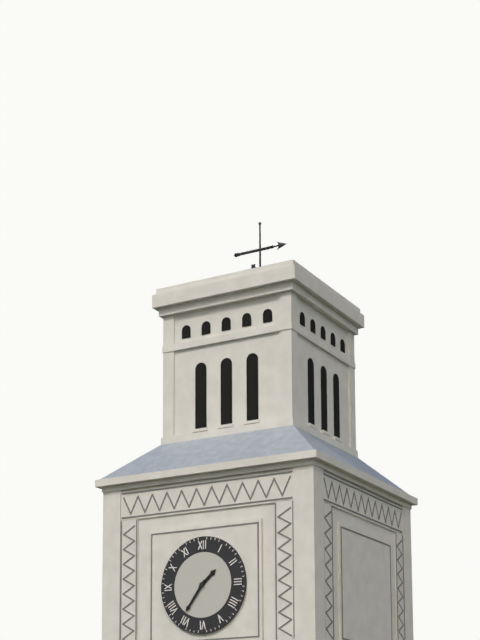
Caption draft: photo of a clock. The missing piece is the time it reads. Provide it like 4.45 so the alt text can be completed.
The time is 1.36
